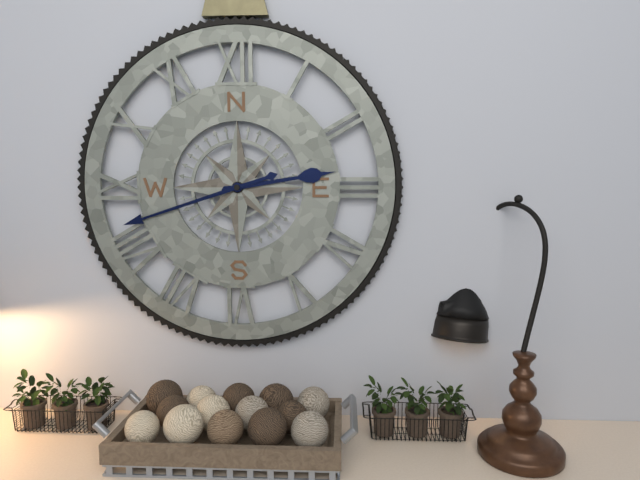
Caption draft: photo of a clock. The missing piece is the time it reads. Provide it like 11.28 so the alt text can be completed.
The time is 2.42
